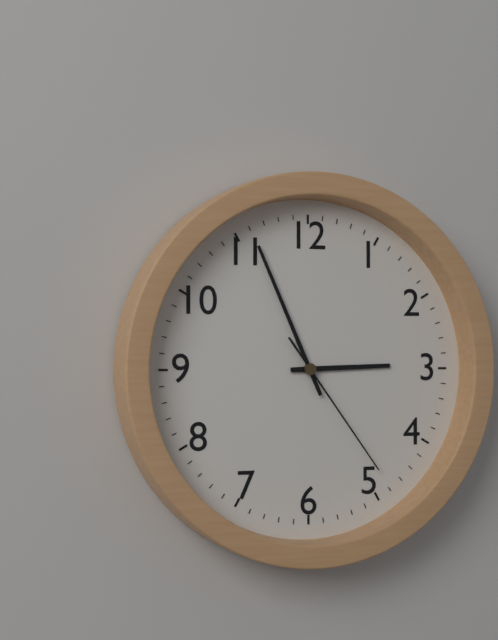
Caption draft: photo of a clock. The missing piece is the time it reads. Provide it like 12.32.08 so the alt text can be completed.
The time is 2.56.24
